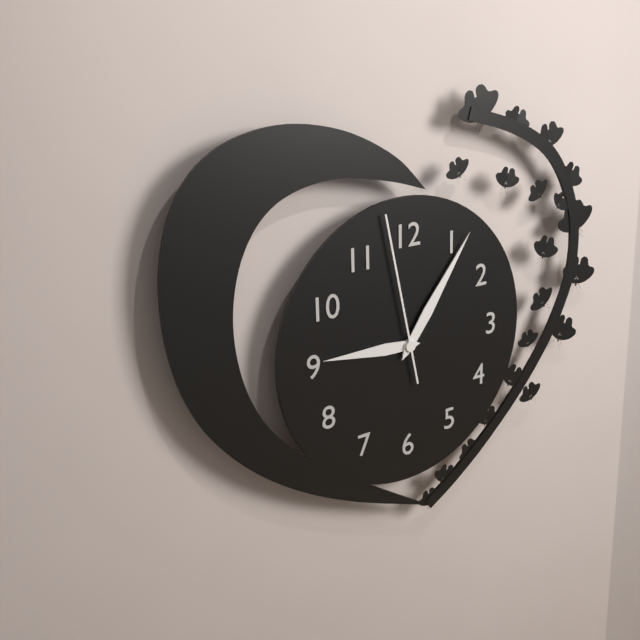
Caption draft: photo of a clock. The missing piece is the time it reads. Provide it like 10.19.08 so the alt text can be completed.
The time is 9.06.58
